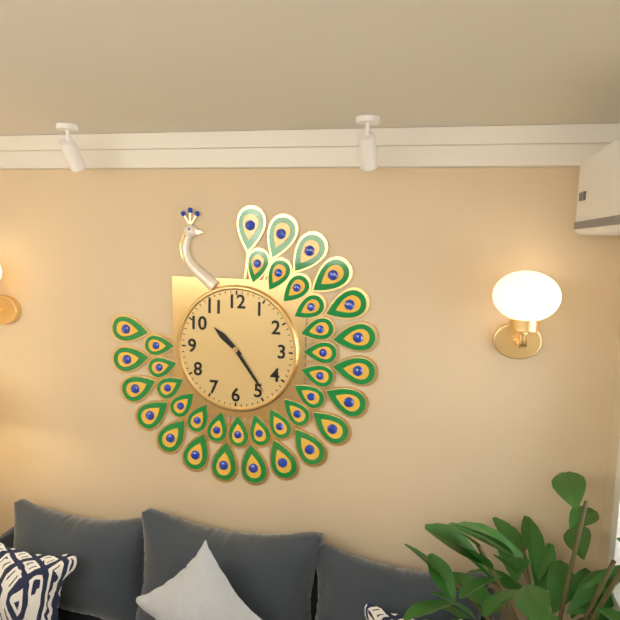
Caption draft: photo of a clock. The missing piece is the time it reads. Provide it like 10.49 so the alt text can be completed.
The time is 10.24
